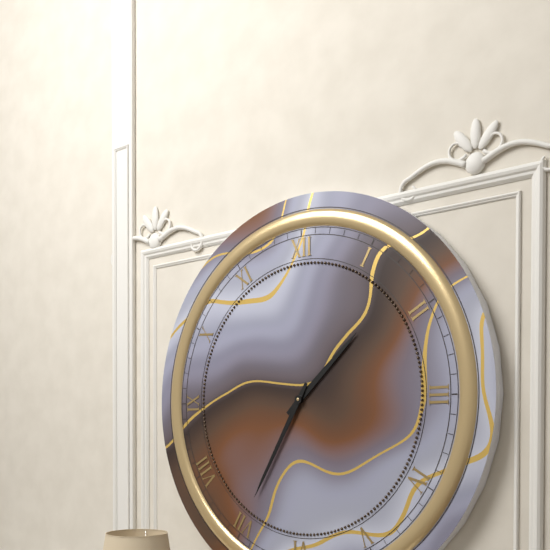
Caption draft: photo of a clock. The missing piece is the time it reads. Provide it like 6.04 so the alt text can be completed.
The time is 1.35
